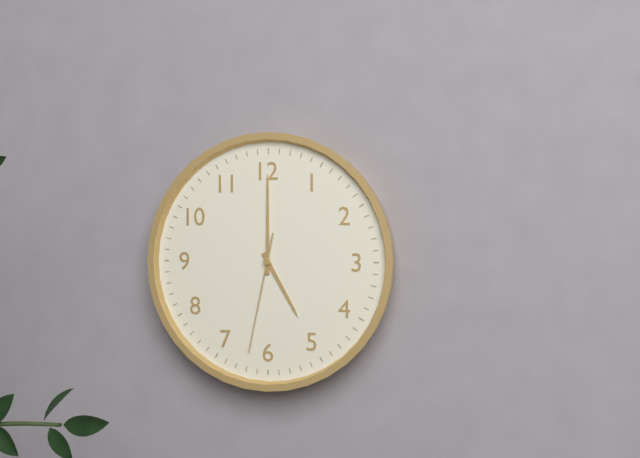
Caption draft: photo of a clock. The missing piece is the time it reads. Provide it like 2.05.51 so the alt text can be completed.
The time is 5.00.32
